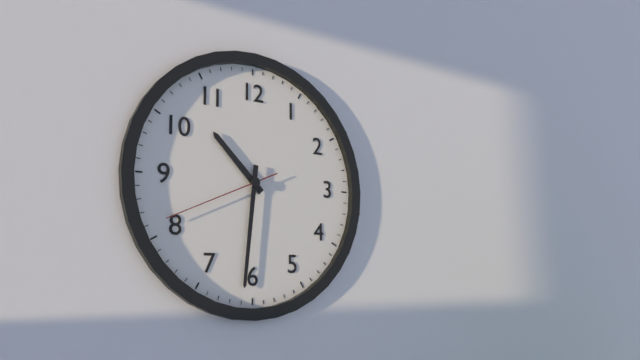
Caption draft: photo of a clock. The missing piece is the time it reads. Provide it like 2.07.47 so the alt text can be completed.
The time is 10.31.41
